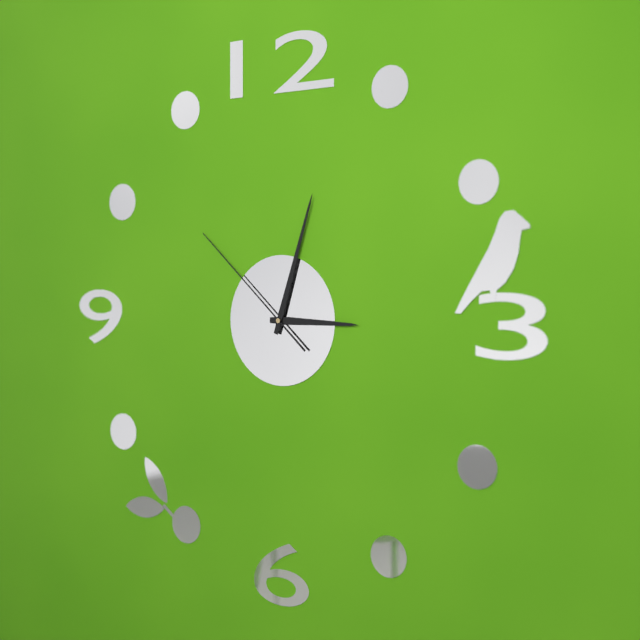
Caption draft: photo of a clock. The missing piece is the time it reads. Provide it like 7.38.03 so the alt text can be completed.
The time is 3.03.52
